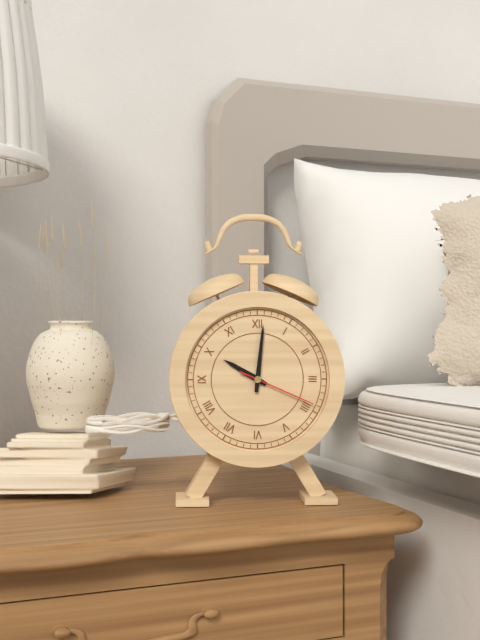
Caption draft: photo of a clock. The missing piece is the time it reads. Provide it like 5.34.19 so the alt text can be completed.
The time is 10.01.19
